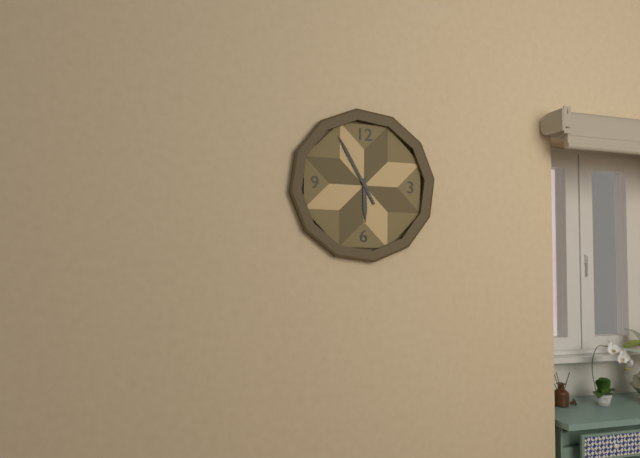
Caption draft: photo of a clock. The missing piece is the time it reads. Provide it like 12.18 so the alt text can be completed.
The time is 5.55
